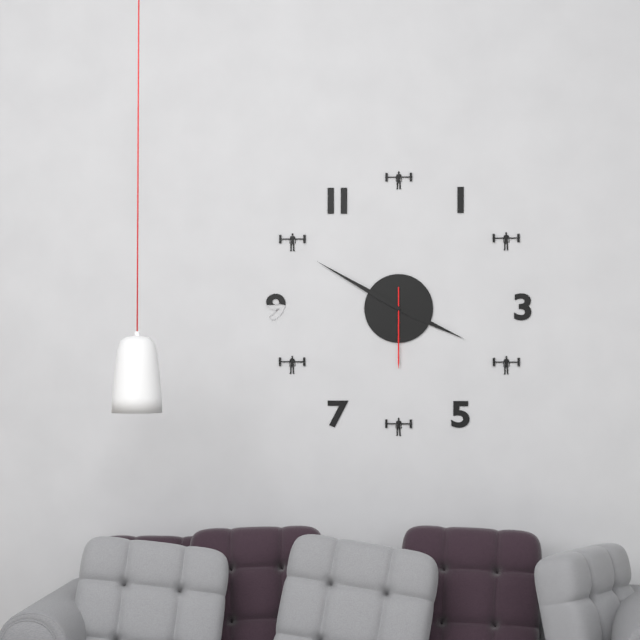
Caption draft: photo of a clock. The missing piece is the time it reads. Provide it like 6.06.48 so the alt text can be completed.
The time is 3.50.30
